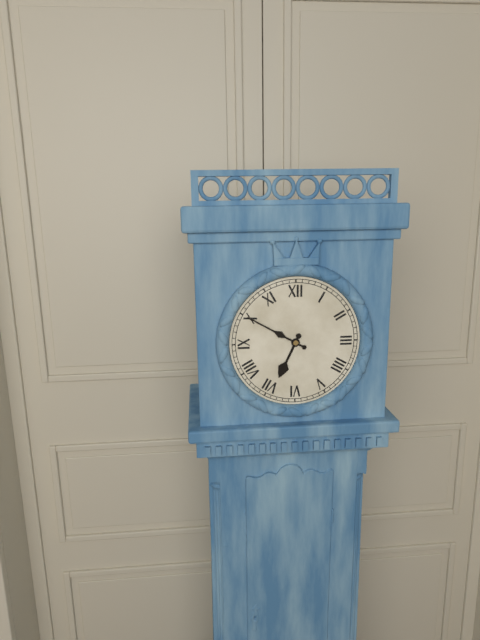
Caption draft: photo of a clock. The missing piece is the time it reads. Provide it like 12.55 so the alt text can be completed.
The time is 6.50
